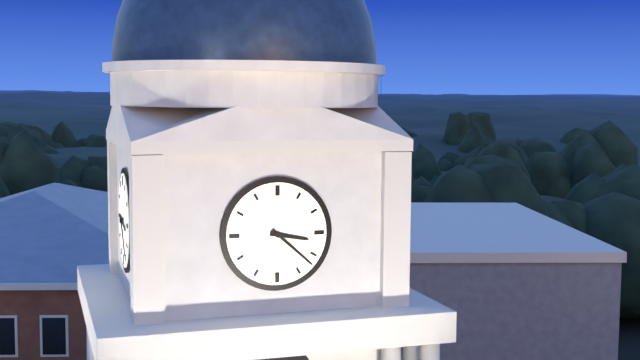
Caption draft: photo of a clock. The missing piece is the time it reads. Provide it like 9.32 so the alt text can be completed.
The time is 3.22
